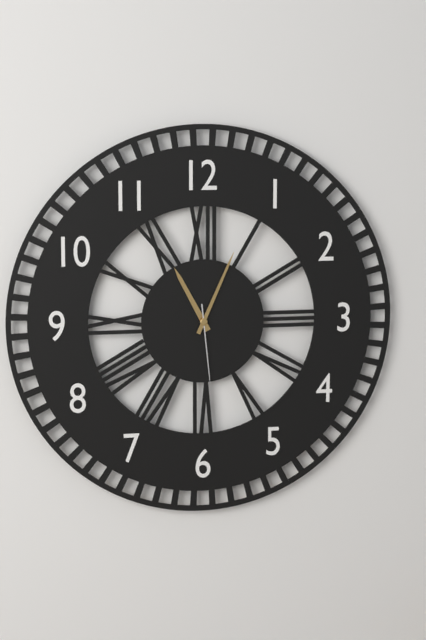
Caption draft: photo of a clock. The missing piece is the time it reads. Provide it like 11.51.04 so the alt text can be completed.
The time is 11.04.29
